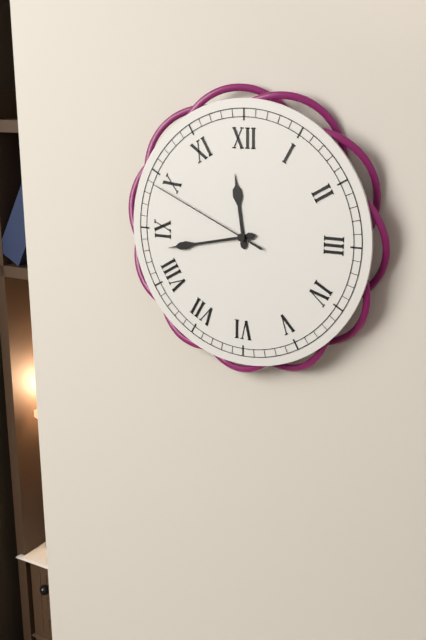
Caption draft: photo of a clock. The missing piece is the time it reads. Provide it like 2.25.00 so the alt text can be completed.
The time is 11.43.49
